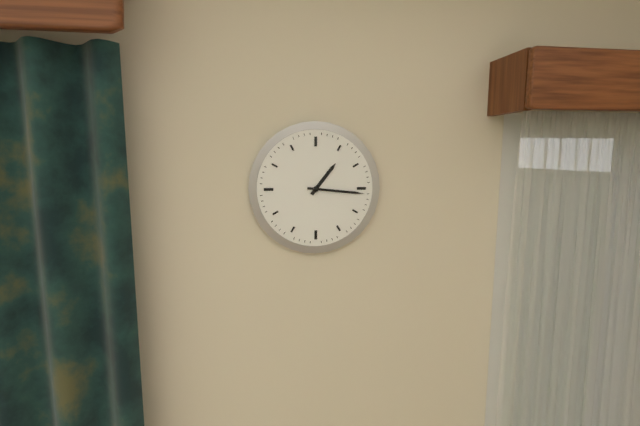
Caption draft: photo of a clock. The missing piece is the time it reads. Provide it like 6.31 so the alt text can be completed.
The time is 1.16
